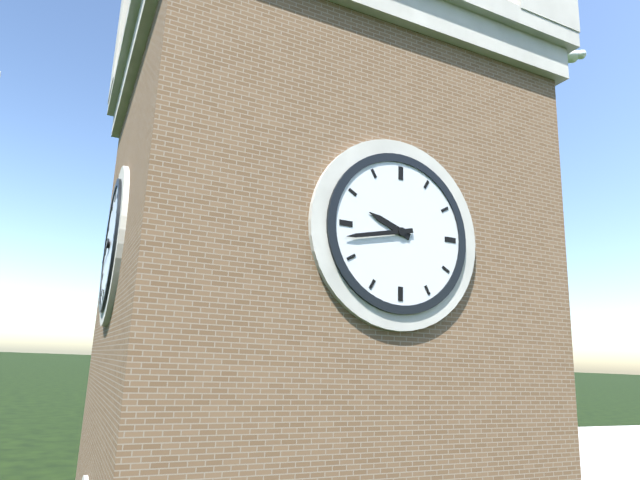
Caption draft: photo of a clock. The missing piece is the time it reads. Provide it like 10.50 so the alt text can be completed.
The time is 9.43
